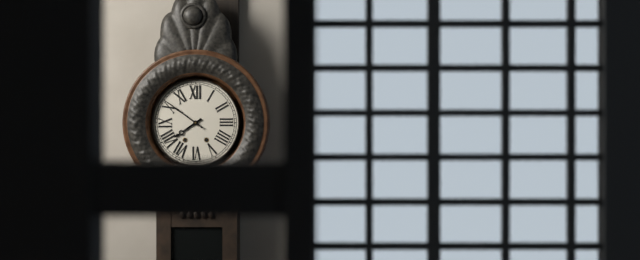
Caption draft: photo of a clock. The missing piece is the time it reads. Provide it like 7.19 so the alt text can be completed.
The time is 7.51
